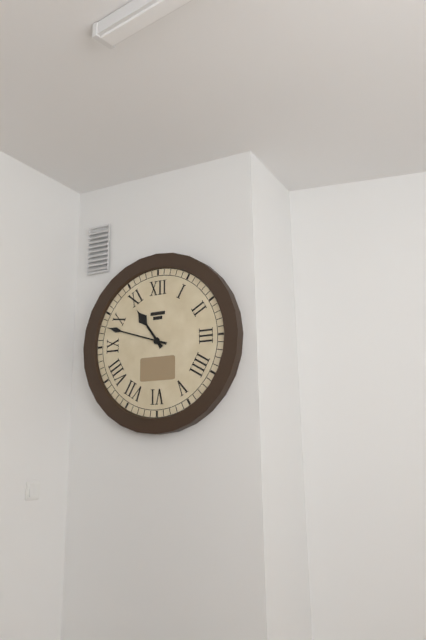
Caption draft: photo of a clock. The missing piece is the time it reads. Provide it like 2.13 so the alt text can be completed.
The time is 10.48
